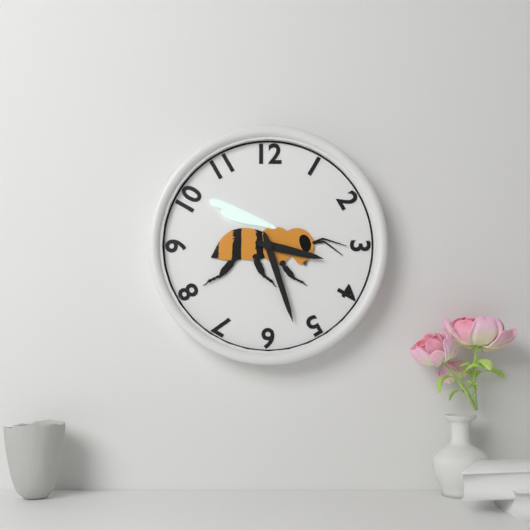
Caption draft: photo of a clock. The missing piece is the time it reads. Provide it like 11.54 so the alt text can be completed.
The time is 3.27
